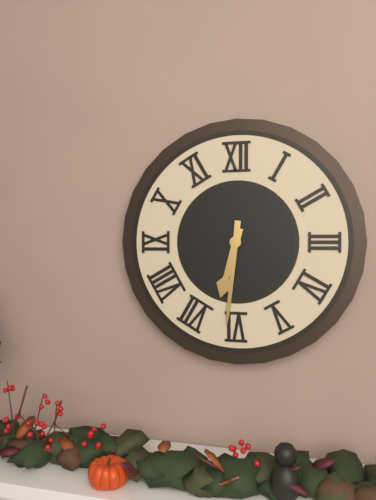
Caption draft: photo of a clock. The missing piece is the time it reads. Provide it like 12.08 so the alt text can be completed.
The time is 6.31
